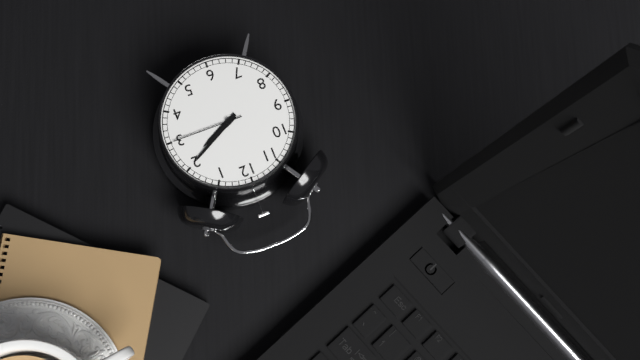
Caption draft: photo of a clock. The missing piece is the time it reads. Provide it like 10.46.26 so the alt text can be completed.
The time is 2.10.15
